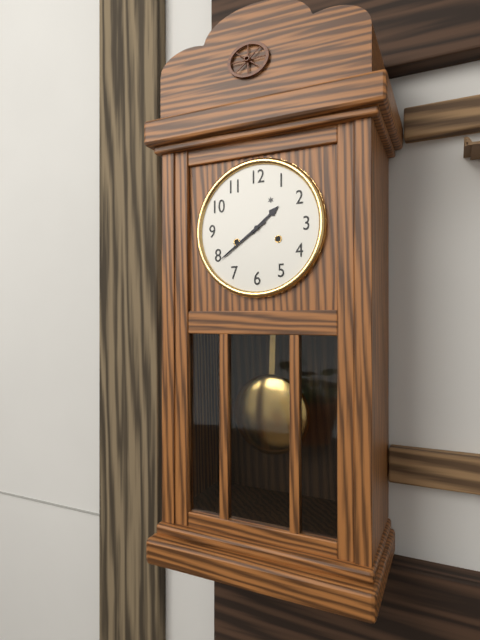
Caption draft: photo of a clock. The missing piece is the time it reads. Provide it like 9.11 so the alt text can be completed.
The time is 1.39
